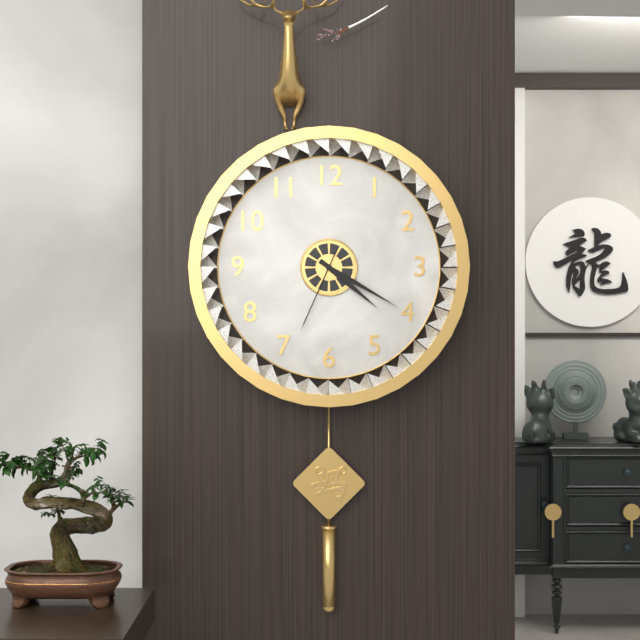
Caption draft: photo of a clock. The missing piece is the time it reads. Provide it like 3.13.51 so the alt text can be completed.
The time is 4.20.34
